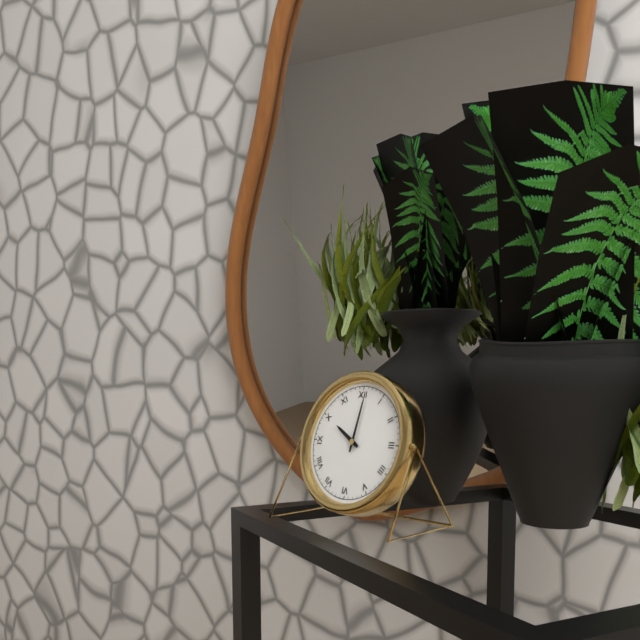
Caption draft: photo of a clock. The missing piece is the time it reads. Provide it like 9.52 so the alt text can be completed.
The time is 10.01
